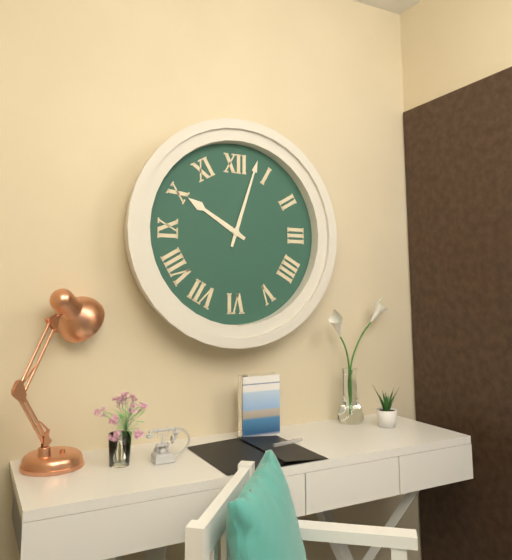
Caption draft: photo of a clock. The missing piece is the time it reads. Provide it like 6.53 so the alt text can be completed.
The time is 10.03
